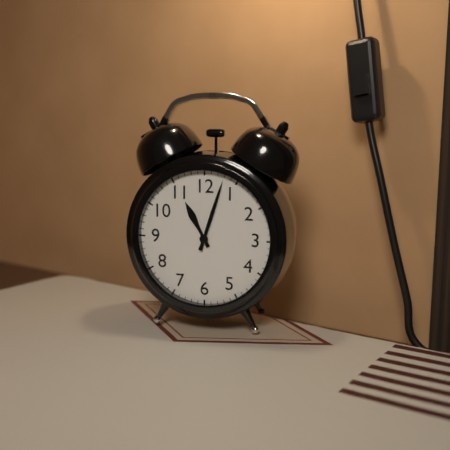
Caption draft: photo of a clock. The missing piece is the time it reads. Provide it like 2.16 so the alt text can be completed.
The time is 11.03
